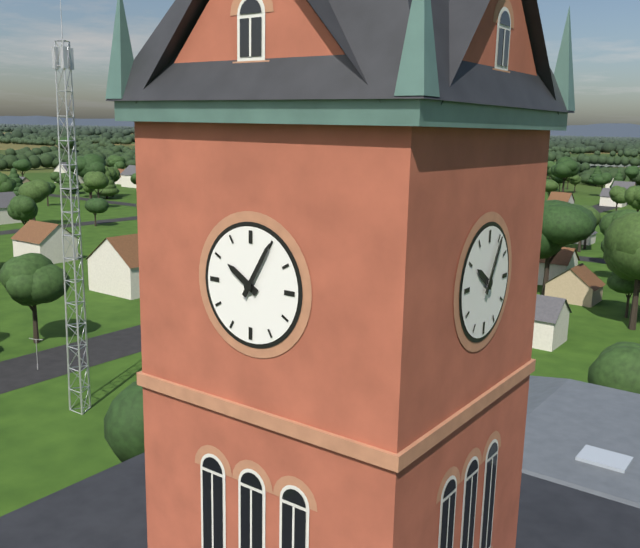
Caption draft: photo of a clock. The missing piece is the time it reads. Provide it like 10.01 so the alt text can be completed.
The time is 10.05
